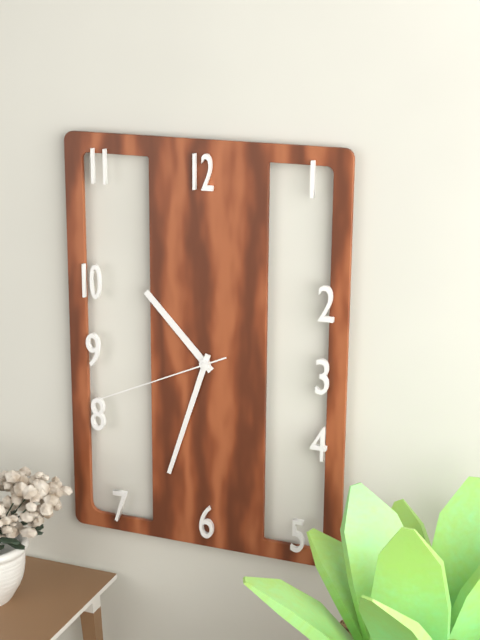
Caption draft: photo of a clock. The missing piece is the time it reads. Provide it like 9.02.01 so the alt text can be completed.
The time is 10.33.41
